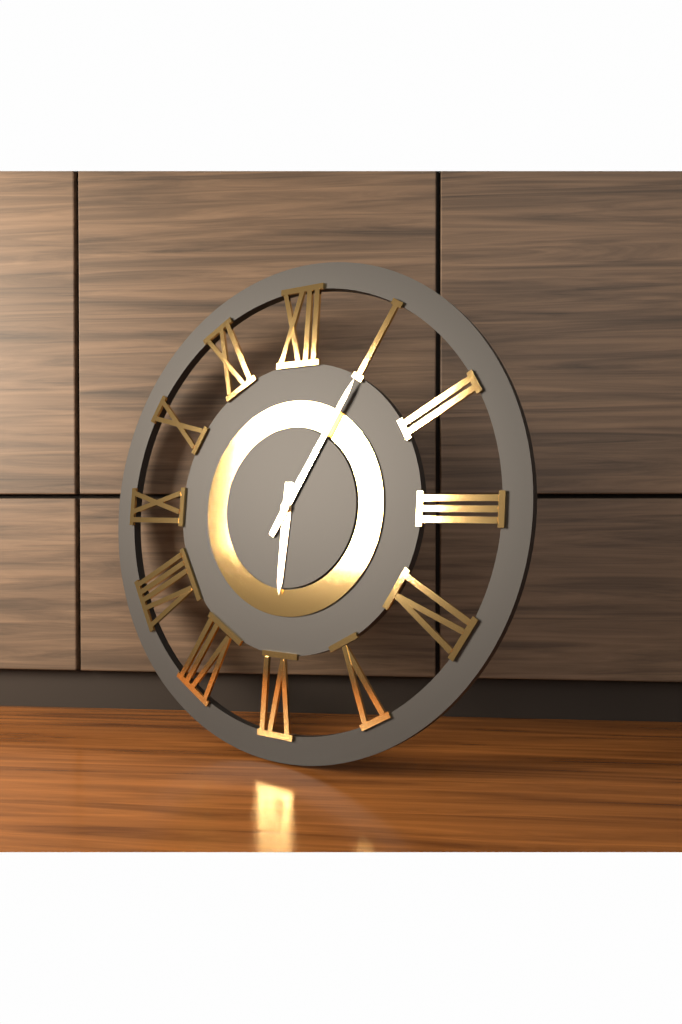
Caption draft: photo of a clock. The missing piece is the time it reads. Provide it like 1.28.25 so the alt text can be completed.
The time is 6.05.05
